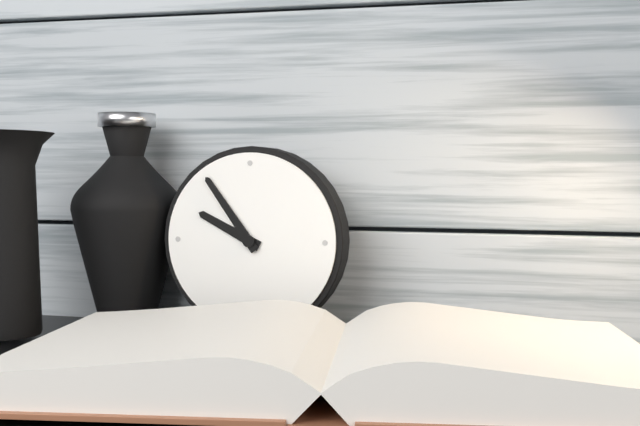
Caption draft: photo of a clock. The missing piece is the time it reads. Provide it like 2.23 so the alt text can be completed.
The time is 9.54
